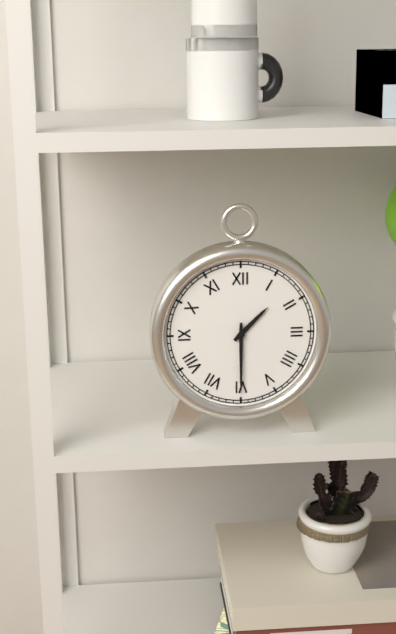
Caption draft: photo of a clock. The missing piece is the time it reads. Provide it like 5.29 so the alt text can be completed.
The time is 1.30
